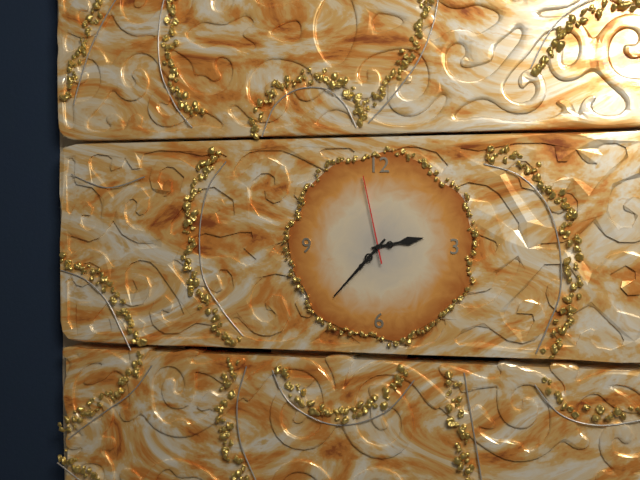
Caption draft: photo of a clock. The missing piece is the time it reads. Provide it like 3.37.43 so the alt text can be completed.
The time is 2.37.58
